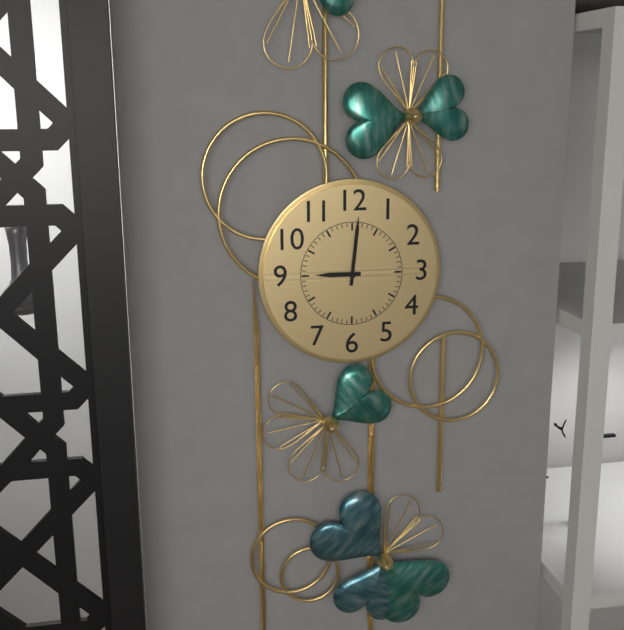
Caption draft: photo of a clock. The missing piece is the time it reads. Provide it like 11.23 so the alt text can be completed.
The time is 9.01
